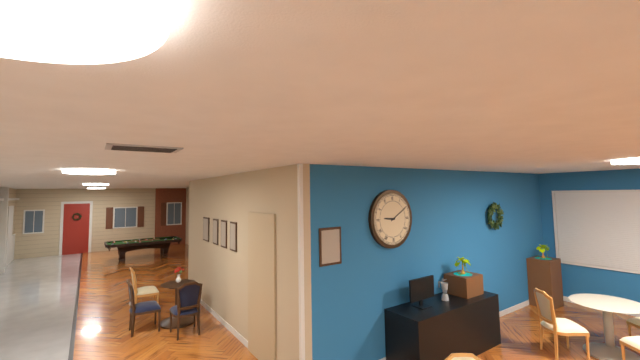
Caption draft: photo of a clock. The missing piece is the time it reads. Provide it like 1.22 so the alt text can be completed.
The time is 9.10
